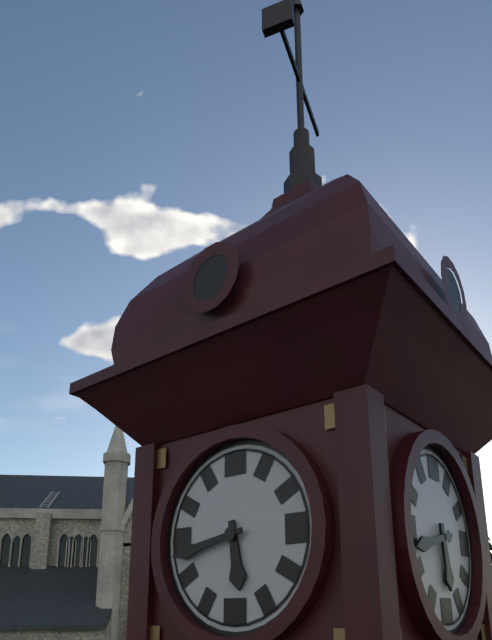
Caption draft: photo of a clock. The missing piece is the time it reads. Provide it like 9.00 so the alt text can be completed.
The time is 5.43
